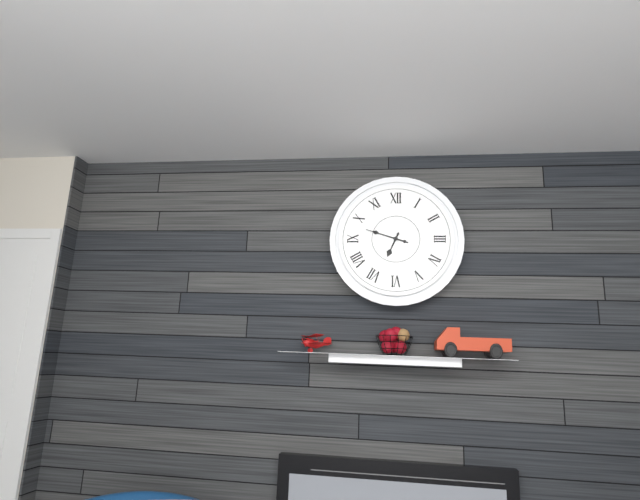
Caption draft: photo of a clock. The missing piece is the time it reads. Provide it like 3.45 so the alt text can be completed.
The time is 6.48
